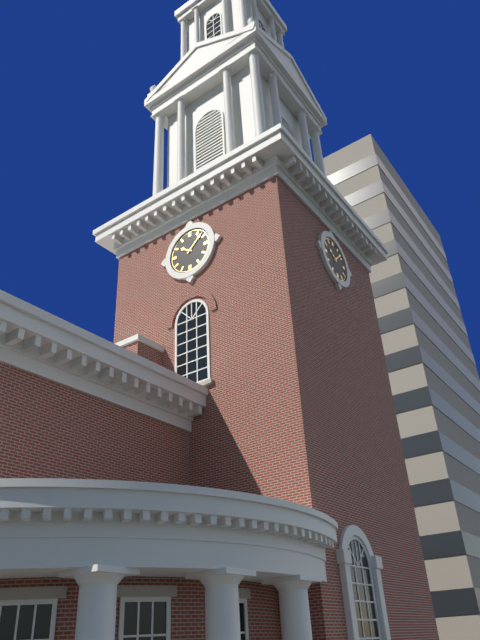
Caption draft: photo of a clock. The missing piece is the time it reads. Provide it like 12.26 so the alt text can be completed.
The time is 10.08
